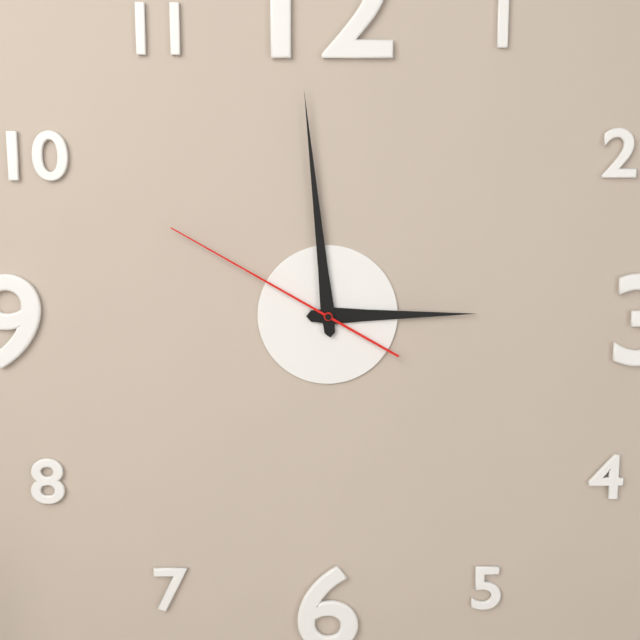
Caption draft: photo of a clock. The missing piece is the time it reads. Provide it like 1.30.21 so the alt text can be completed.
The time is 2.59.50
